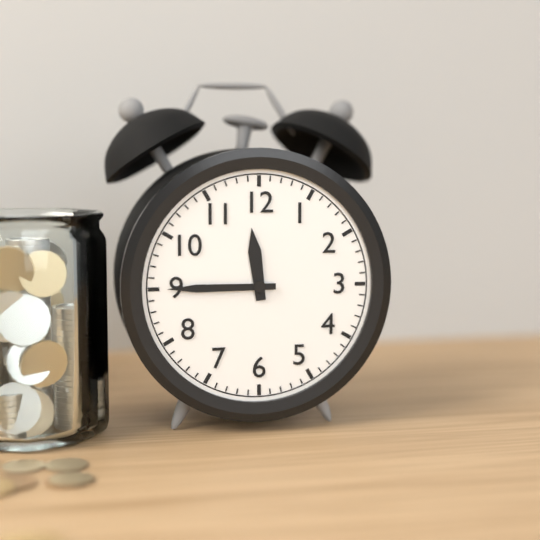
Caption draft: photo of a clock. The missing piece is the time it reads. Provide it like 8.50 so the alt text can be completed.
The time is 11.45
